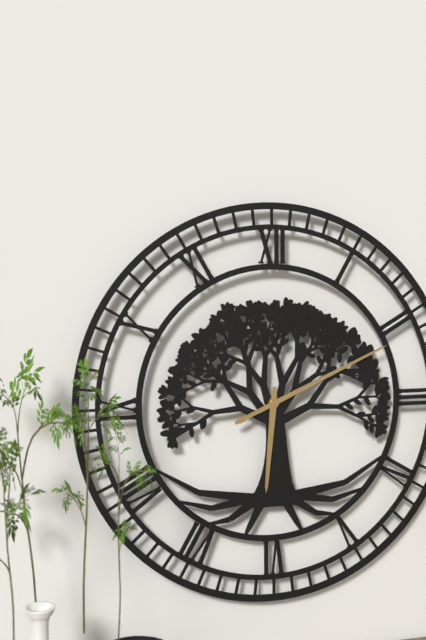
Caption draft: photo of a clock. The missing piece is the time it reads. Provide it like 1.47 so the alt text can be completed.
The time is 6.11
